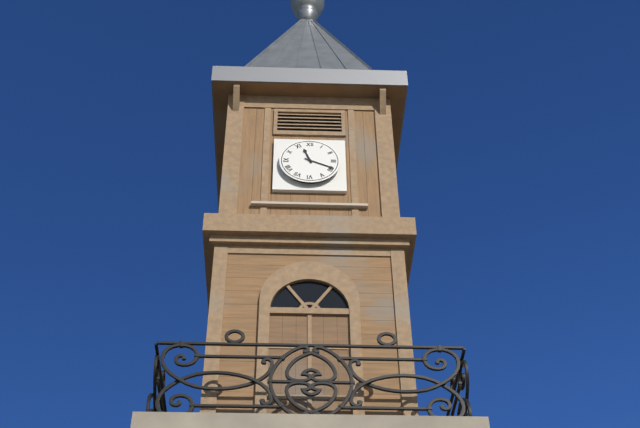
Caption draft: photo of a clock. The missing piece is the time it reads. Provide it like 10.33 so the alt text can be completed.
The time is 11.19
